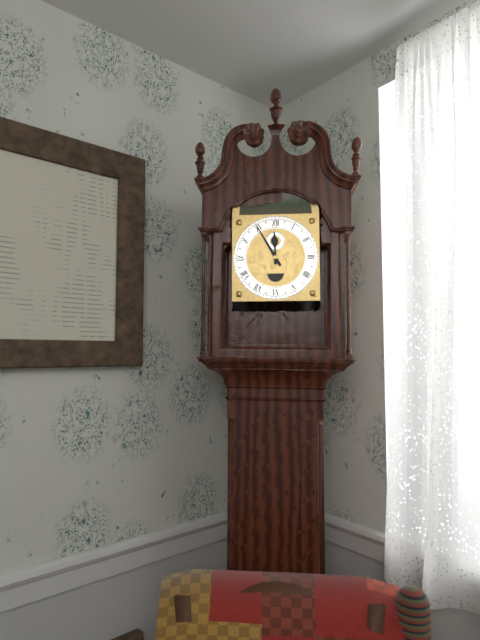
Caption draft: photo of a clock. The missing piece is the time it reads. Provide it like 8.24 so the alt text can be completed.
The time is 11.55
